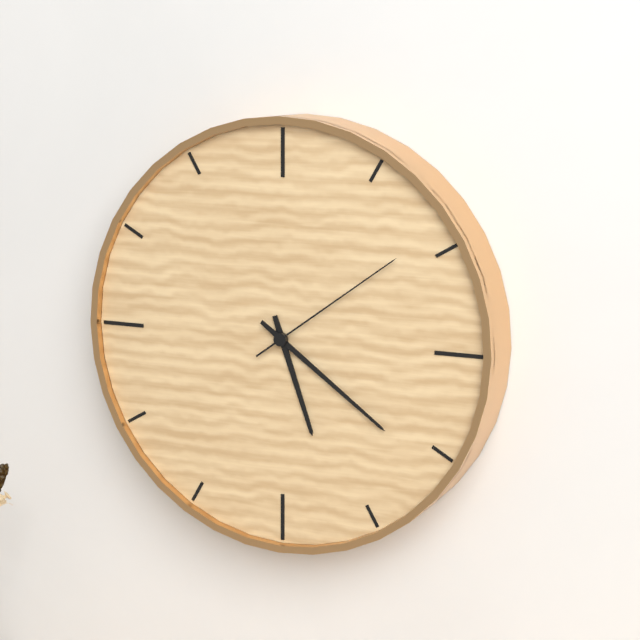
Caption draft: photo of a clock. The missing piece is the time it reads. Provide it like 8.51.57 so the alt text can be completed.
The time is 5.21.09
